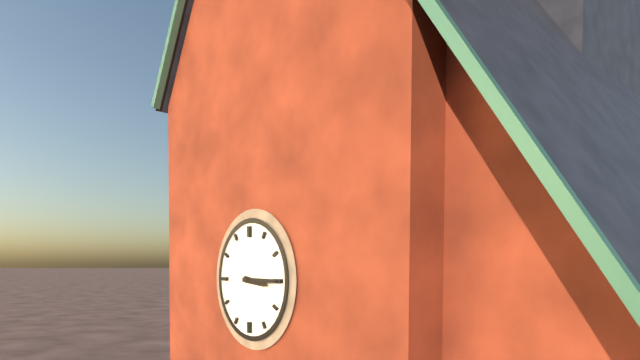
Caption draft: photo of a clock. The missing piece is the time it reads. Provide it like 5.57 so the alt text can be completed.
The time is 3.15
